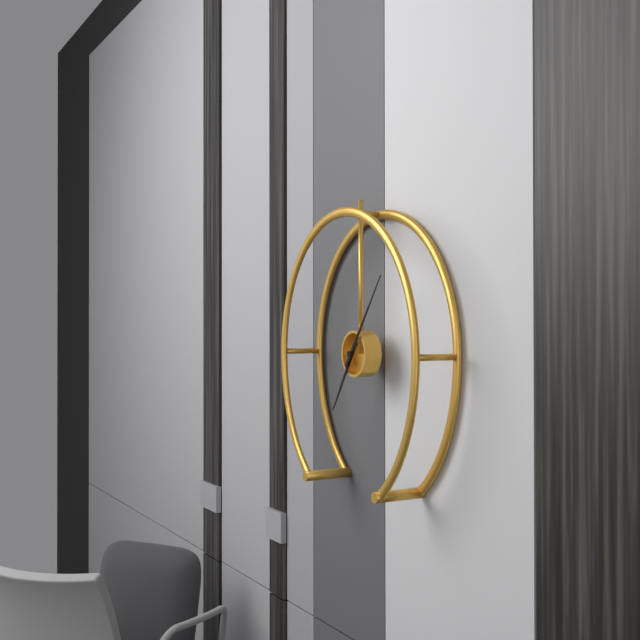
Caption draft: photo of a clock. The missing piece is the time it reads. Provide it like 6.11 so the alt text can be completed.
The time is 7.06
